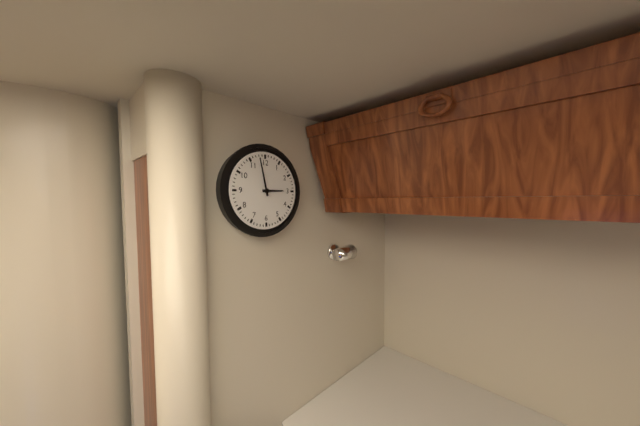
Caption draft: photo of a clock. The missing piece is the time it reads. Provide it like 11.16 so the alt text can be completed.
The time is 2.58
